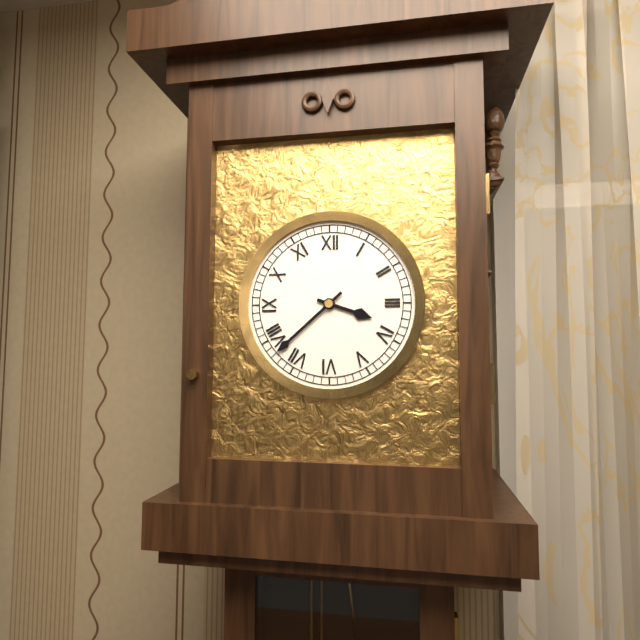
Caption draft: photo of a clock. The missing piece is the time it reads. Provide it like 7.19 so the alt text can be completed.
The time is 3.38
